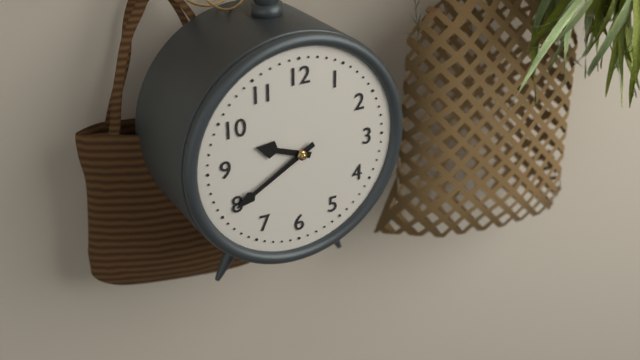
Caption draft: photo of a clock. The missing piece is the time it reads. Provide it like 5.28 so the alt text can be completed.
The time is 9.40
